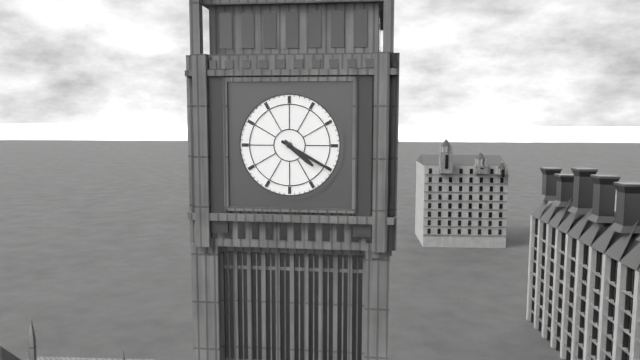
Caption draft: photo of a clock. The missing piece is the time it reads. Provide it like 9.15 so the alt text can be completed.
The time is 4.20
